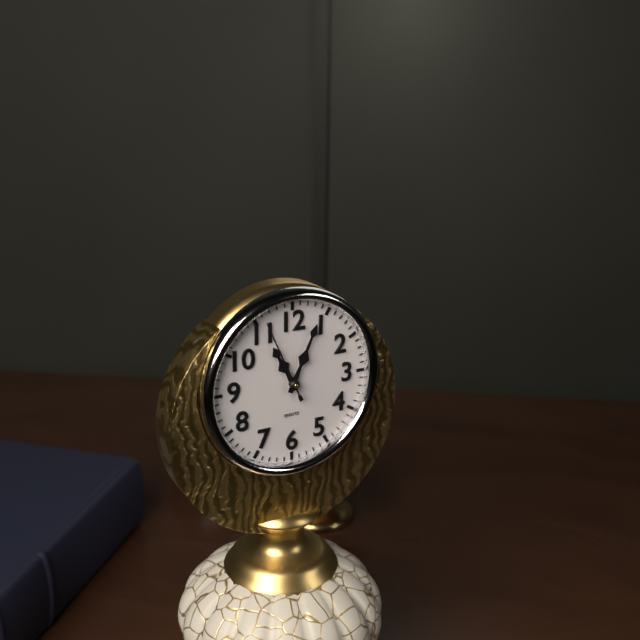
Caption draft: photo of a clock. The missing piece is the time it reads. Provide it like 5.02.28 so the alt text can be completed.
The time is 11.04.56
